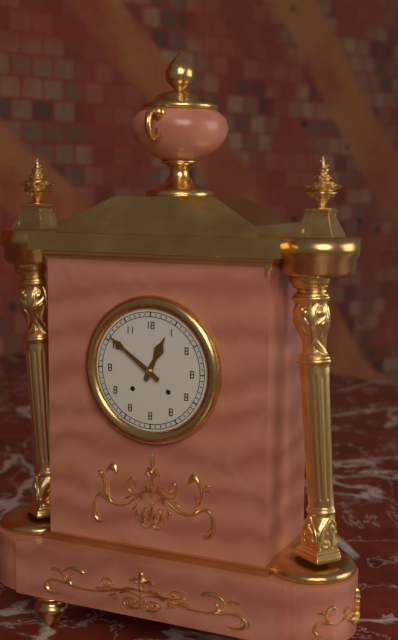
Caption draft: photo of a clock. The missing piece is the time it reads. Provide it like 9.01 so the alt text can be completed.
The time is 12.51
